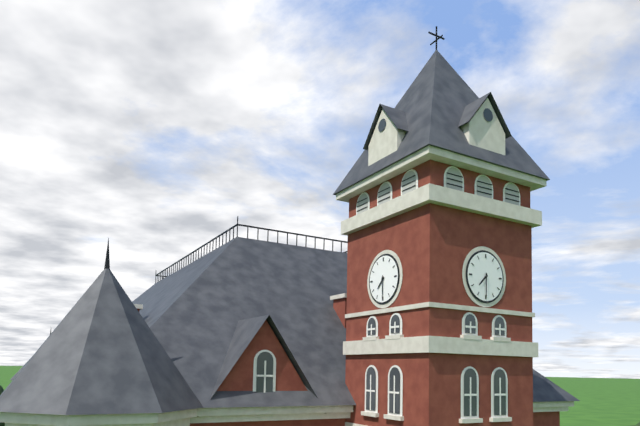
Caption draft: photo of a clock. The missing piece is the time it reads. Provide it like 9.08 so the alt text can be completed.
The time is 7.30
